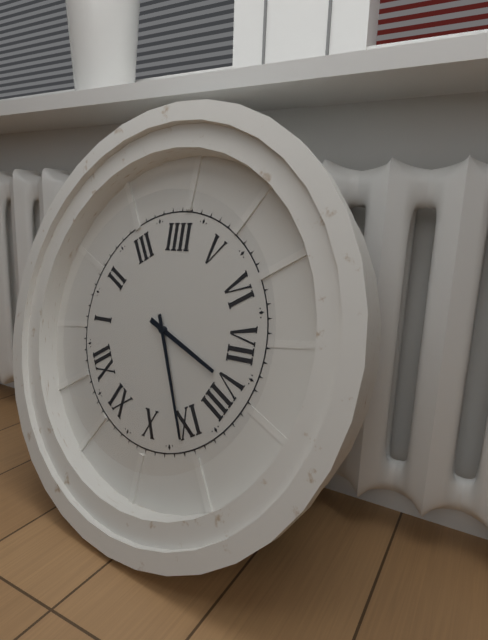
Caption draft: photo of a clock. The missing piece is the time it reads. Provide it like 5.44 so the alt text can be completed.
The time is 7.46
